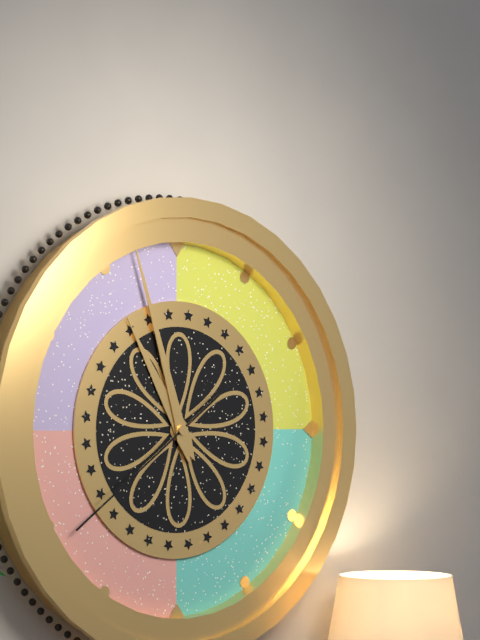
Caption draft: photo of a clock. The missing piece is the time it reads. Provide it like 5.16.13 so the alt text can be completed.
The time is 10.57.39
